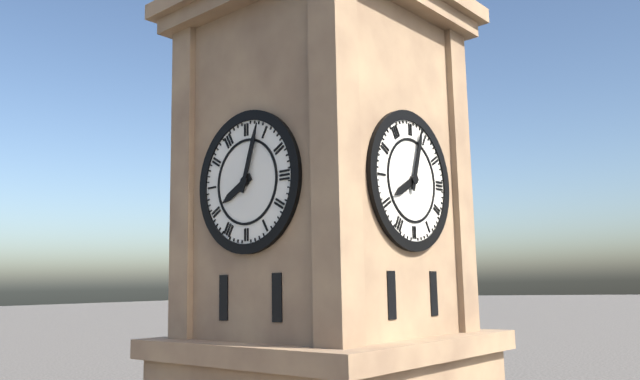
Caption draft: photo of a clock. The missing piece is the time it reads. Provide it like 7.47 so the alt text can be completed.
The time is 8.03
